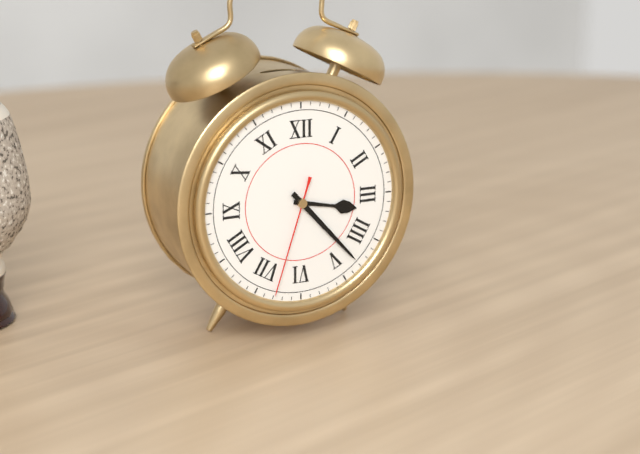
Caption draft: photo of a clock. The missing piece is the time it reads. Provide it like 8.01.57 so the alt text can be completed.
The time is 3.23.33
